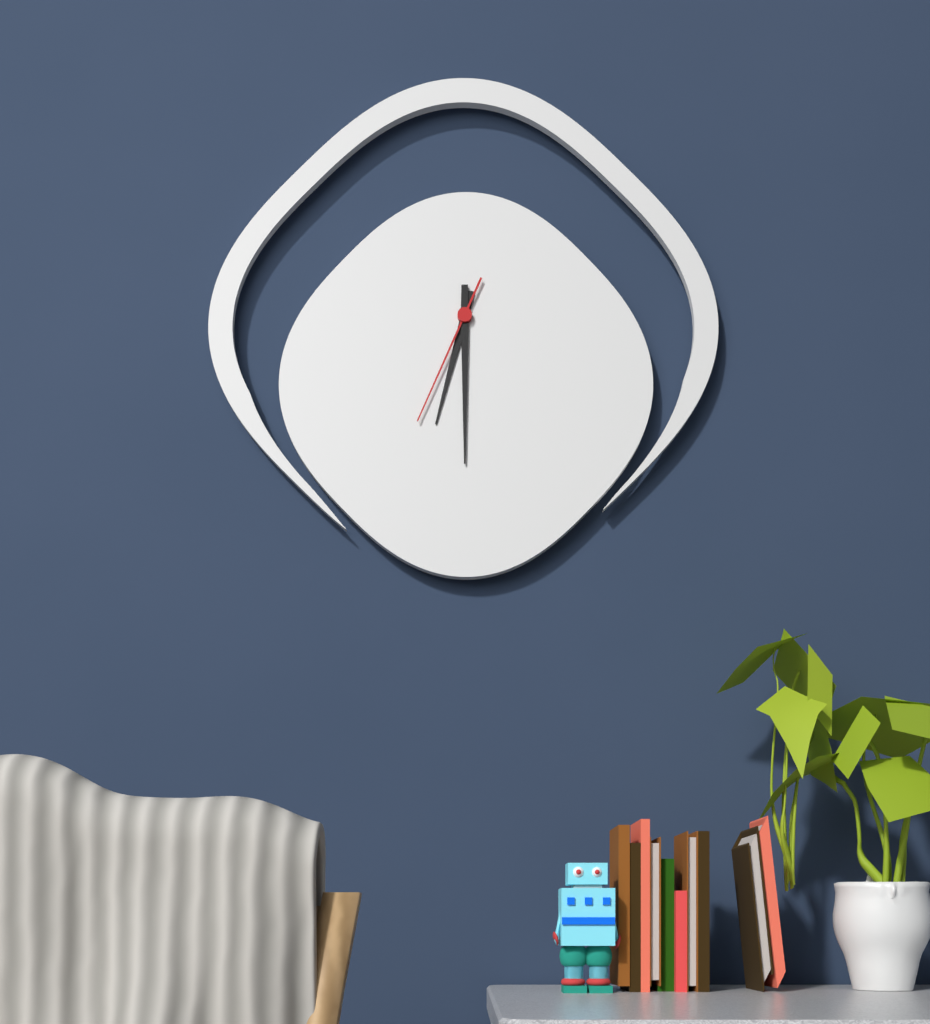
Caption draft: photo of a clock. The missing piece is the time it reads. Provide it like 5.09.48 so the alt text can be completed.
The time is 6.30.34
